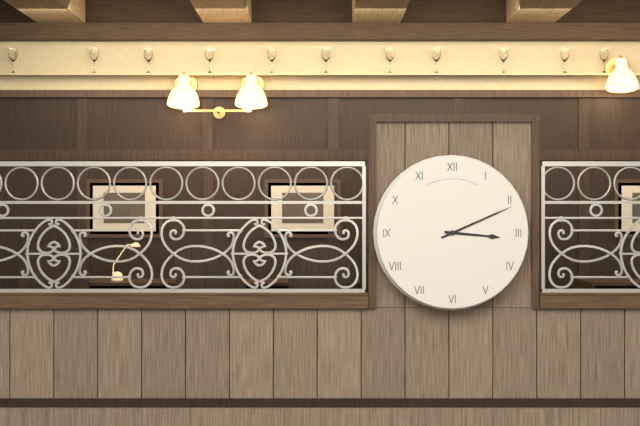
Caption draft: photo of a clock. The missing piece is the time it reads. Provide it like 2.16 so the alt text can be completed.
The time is 3.11
